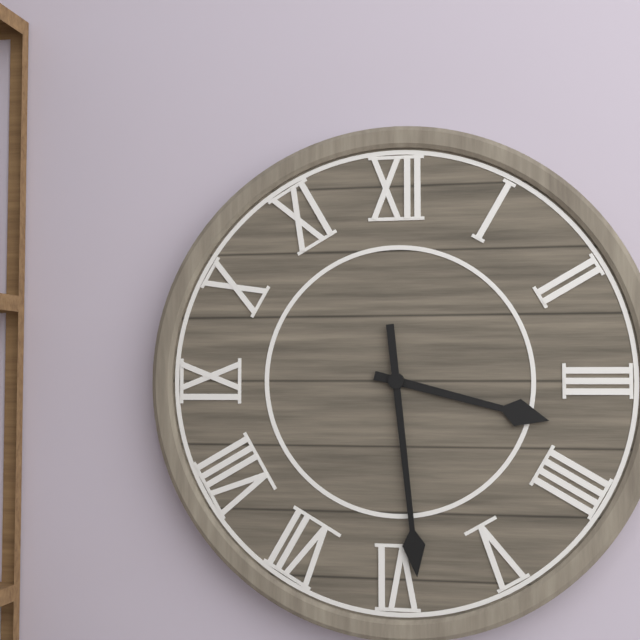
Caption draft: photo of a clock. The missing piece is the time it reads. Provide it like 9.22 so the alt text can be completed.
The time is 3.29
